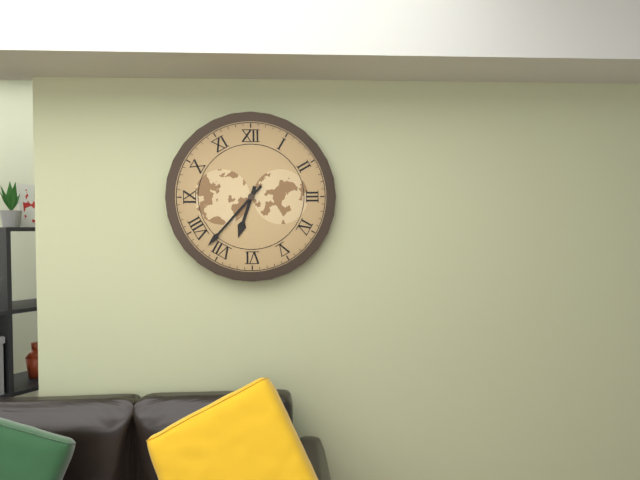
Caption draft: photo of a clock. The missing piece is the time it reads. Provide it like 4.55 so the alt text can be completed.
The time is 6.37
